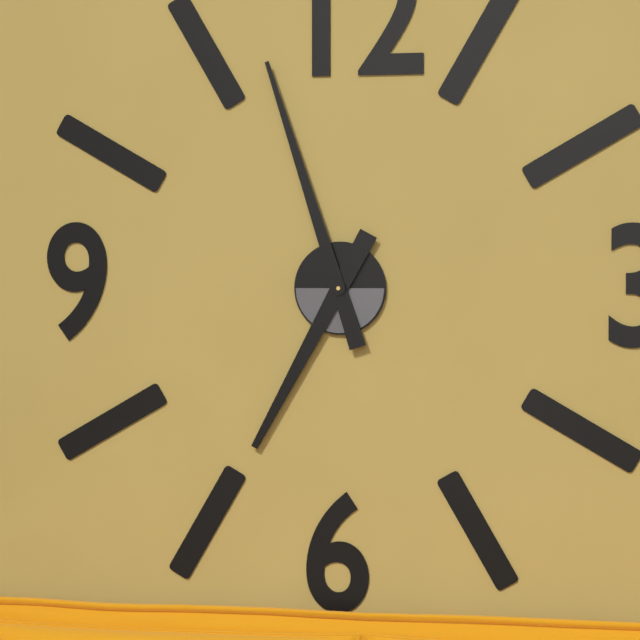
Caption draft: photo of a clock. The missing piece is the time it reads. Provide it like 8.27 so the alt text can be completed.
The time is 6.57
